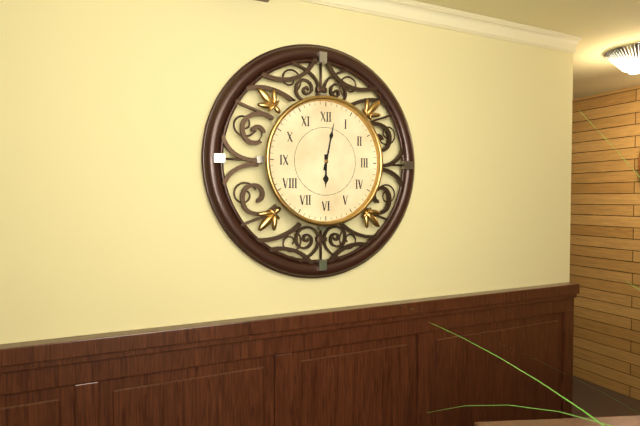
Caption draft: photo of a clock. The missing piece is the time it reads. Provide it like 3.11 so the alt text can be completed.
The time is 6.02
